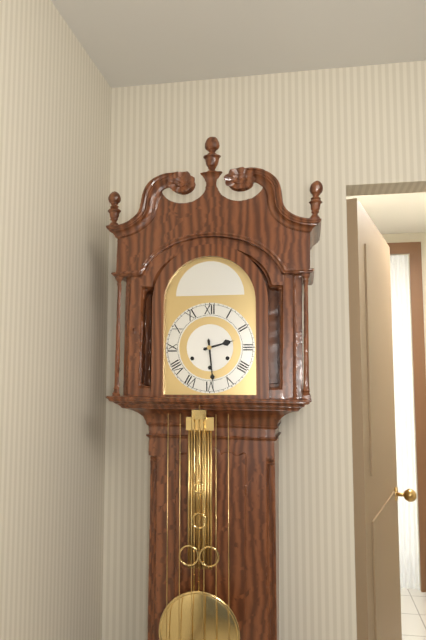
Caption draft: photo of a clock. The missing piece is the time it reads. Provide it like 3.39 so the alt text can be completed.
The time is 2.29
